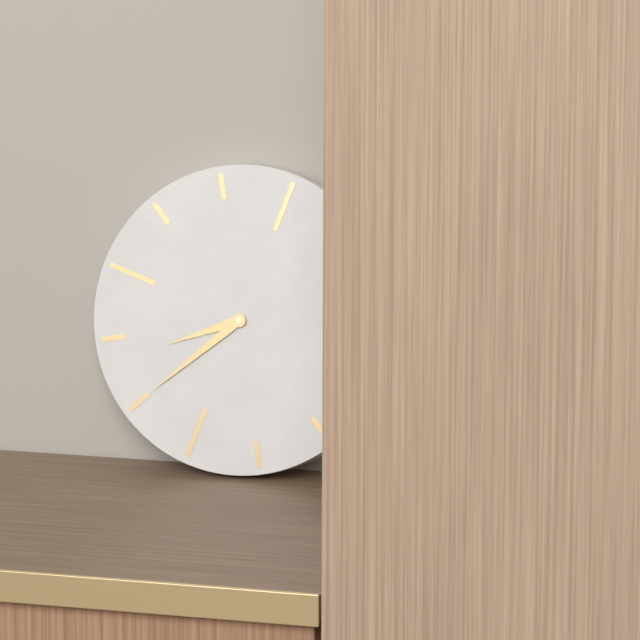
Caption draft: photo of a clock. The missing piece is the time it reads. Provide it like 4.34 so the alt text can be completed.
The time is 8.40
